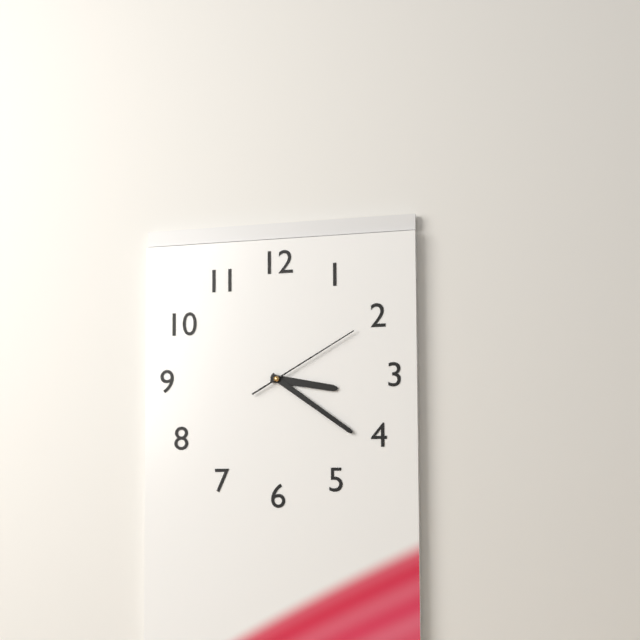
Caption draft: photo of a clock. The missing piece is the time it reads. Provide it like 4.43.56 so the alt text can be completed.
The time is 3.21.10
